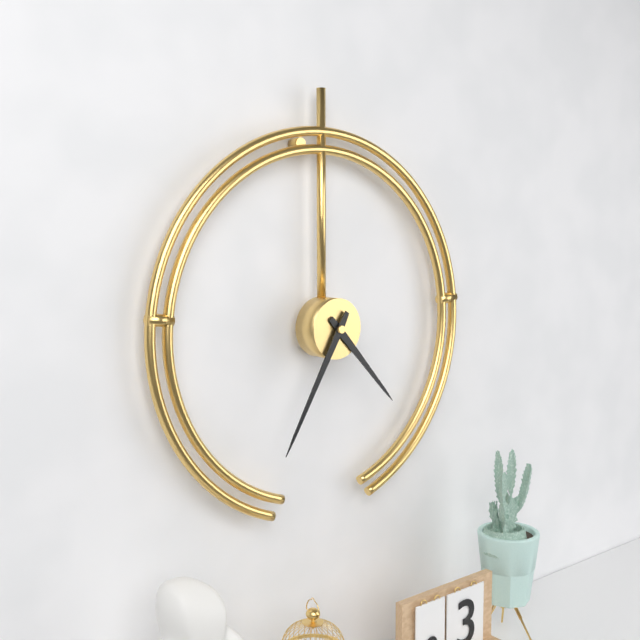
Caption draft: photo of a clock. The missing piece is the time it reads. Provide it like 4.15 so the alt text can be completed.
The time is 4.35
